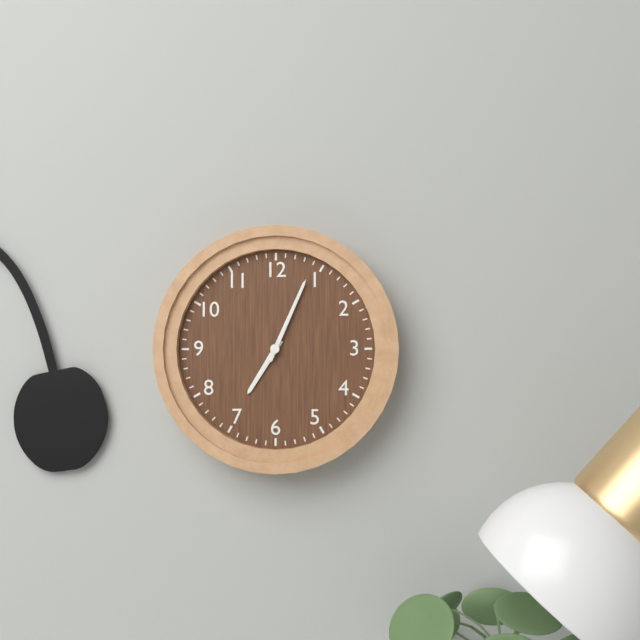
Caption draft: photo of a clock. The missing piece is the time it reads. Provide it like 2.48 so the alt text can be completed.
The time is 7.04
